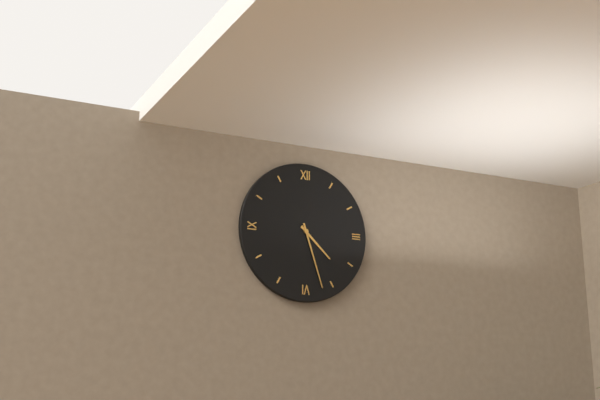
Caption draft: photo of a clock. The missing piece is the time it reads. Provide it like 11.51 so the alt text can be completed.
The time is 4.27
